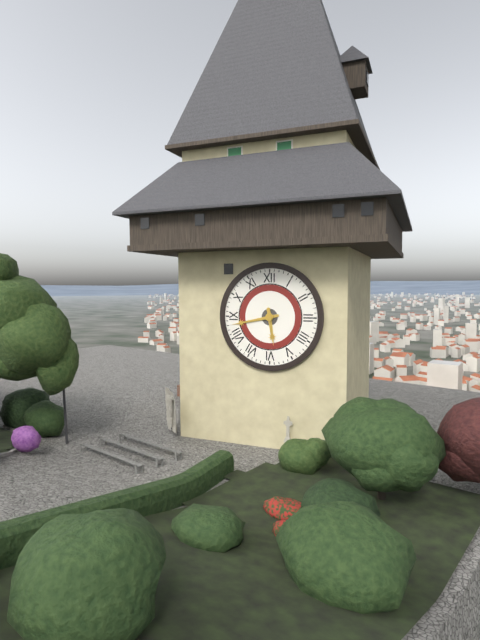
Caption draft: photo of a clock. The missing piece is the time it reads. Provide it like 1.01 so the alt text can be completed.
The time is 5.43
